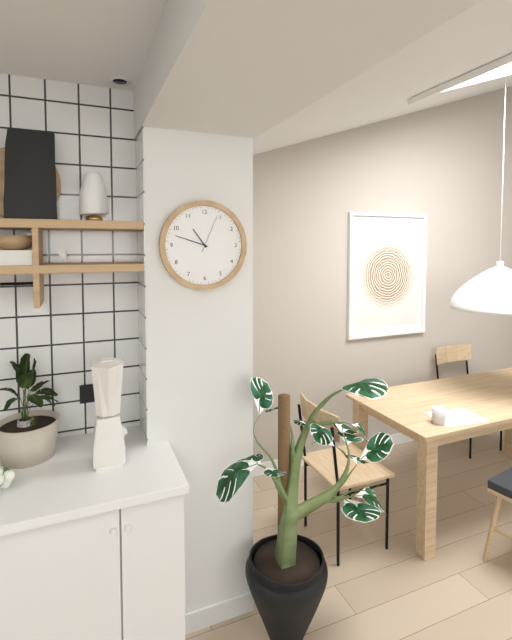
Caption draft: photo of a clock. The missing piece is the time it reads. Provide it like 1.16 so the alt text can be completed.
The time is 10.48
